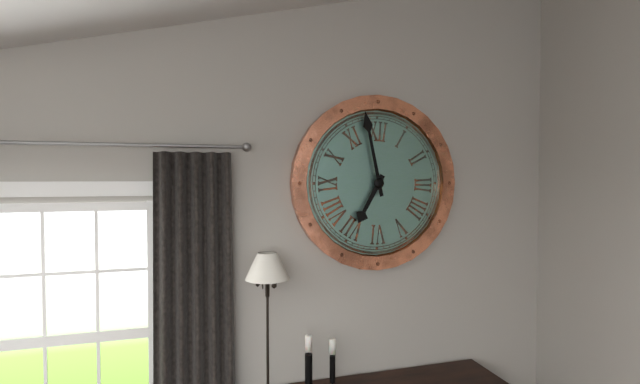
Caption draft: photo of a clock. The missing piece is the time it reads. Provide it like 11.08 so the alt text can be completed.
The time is 6.58
